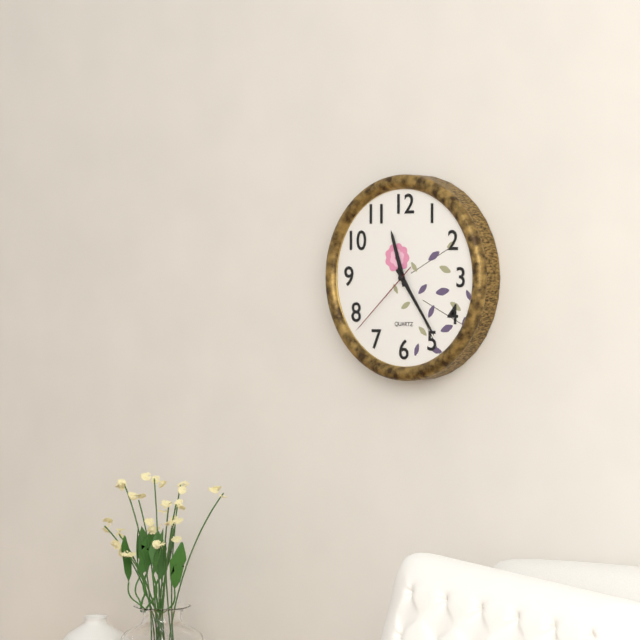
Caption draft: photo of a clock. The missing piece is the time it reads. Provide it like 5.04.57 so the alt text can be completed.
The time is 11.24.38
